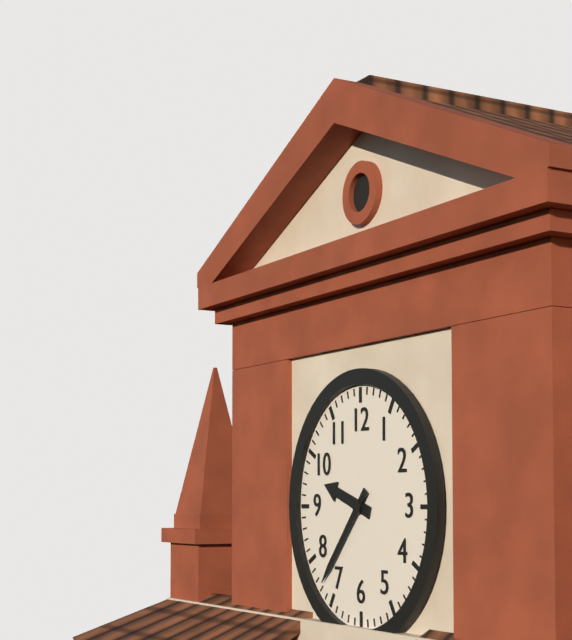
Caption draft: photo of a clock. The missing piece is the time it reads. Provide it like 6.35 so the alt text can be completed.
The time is 9.37
